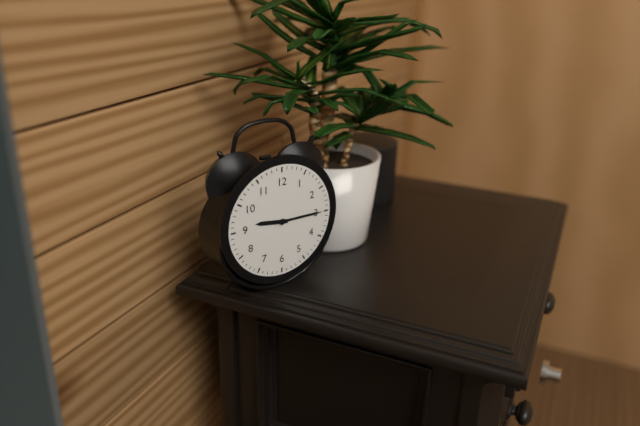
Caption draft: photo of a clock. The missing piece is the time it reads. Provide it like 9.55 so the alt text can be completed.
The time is 9.15
